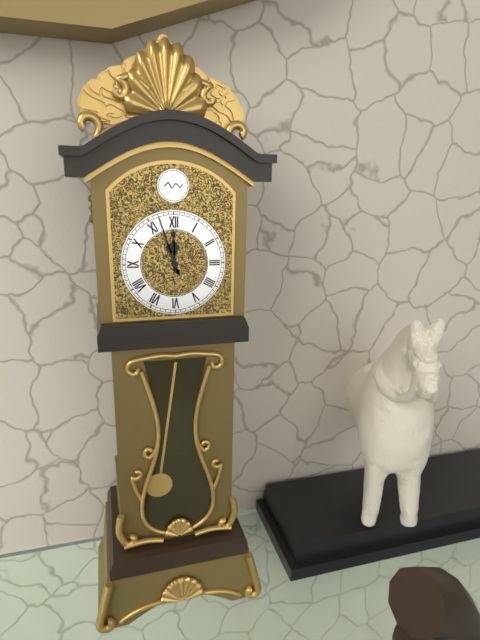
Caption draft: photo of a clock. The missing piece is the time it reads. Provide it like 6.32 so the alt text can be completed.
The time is 11.57
